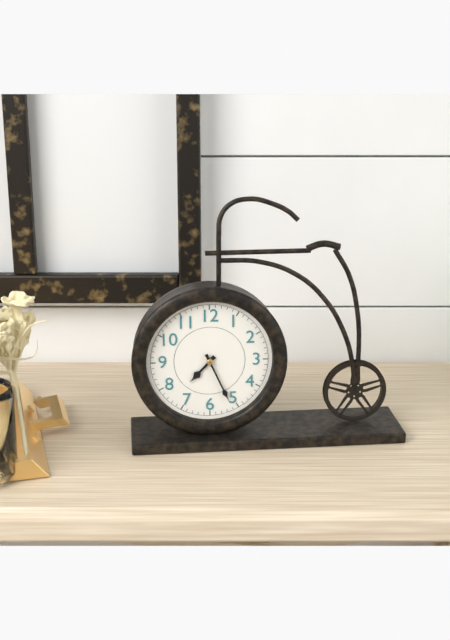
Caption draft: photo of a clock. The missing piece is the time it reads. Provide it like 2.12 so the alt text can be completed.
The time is 7.26
